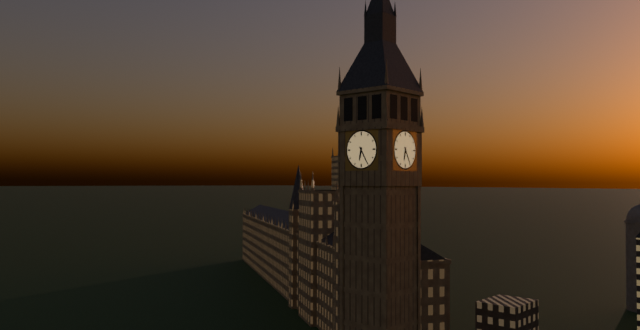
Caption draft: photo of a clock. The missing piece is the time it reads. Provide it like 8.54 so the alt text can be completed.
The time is 6.25
